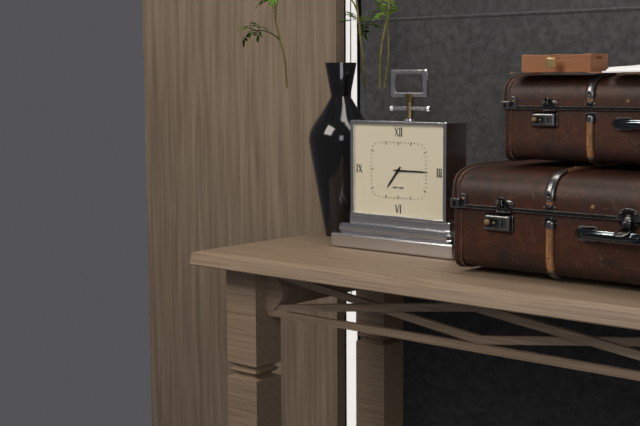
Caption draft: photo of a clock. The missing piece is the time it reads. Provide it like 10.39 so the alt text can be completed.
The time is 7.15
